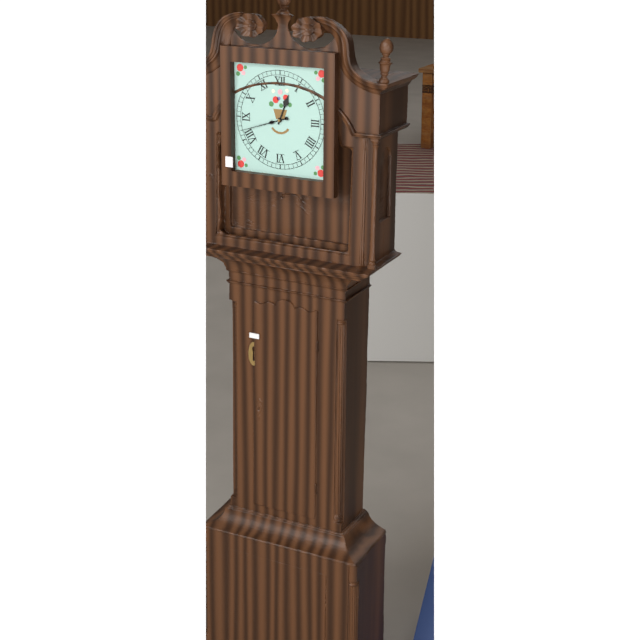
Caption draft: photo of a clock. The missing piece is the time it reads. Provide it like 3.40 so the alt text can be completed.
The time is 12.42
